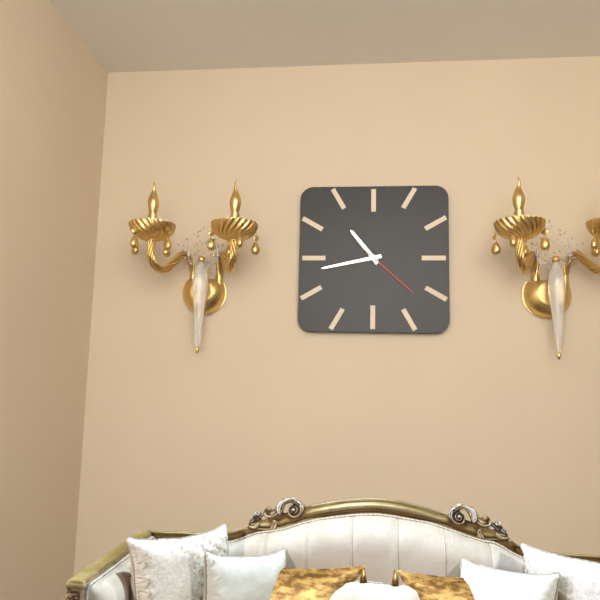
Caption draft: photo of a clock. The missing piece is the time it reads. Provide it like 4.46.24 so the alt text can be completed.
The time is 10.43.22
